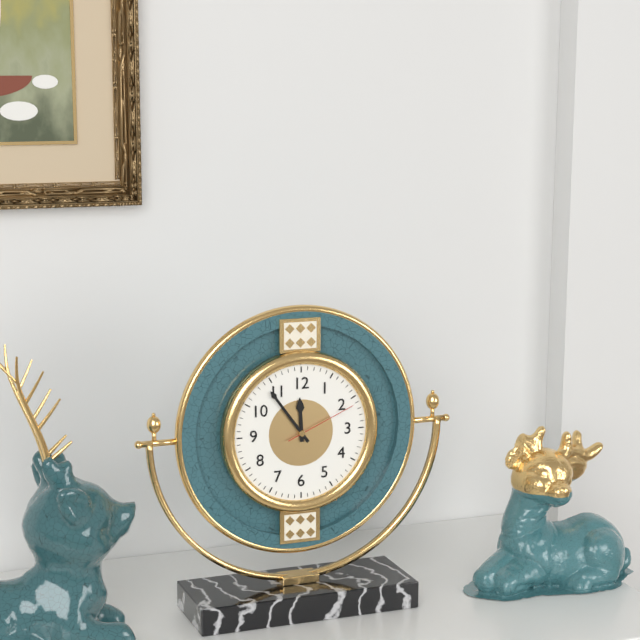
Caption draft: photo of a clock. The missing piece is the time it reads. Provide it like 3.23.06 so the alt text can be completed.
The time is 11.54.11
